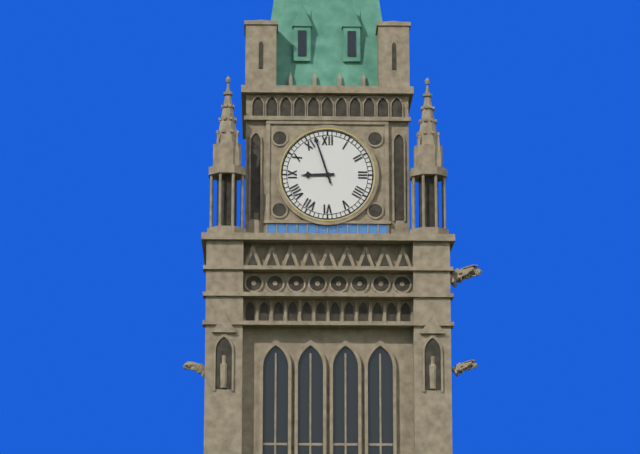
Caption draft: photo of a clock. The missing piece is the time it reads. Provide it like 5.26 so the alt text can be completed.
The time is 8.57
